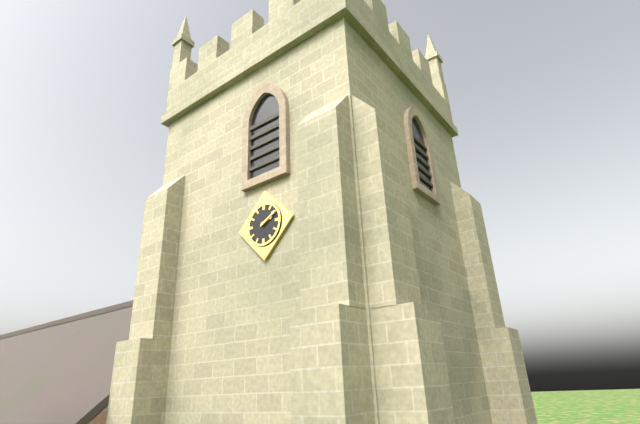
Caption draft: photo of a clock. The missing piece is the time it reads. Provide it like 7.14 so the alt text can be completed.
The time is 2.10
